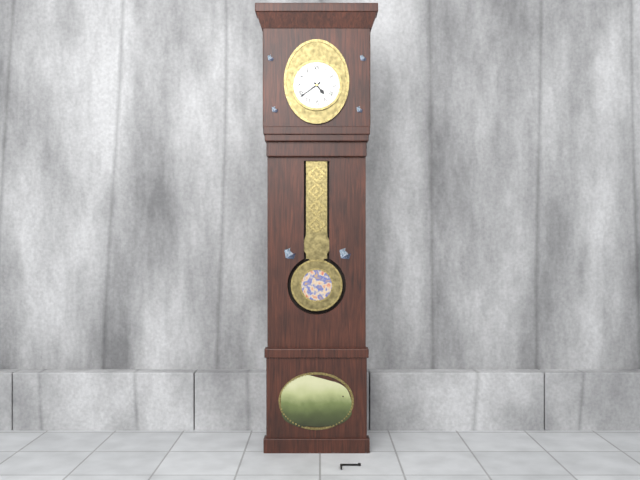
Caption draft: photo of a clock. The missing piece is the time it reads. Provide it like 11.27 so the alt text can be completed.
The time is 4.39
